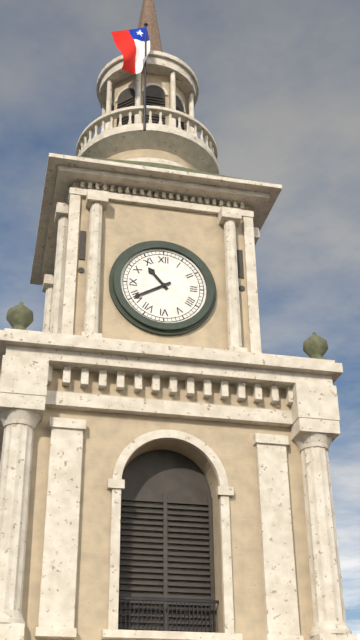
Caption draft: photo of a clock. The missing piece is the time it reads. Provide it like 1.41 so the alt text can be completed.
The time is 10.40
